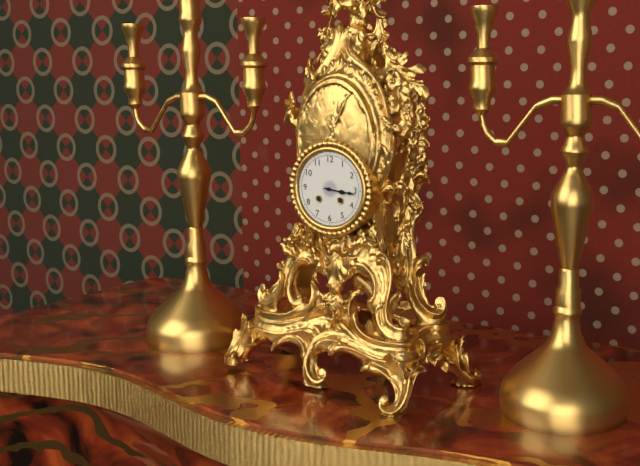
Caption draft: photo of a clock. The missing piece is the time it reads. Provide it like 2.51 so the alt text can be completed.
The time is 3.16
